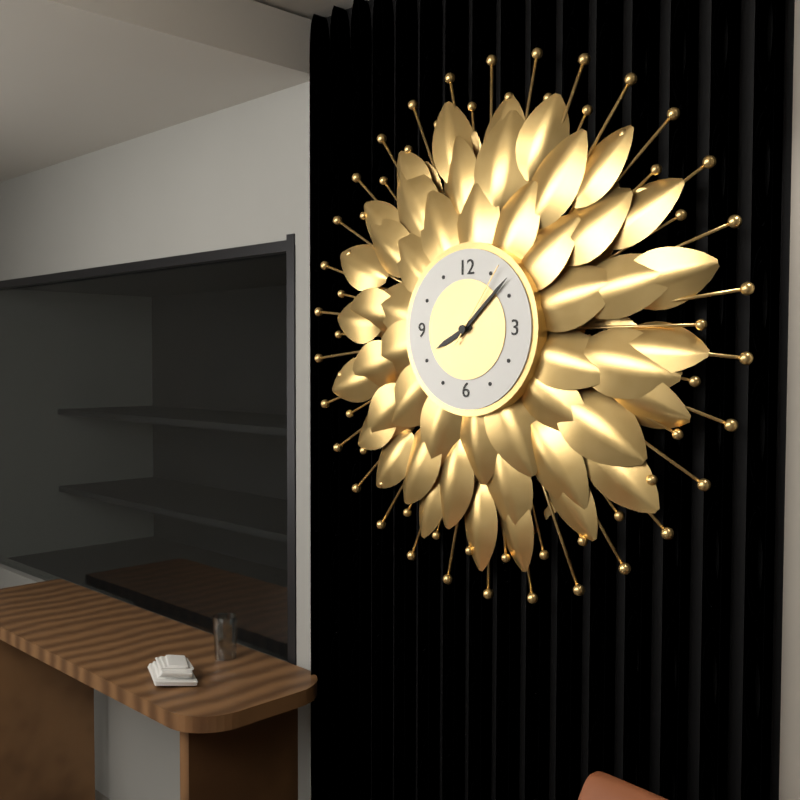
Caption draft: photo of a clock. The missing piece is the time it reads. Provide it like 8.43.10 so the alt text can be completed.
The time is 8.08.06
